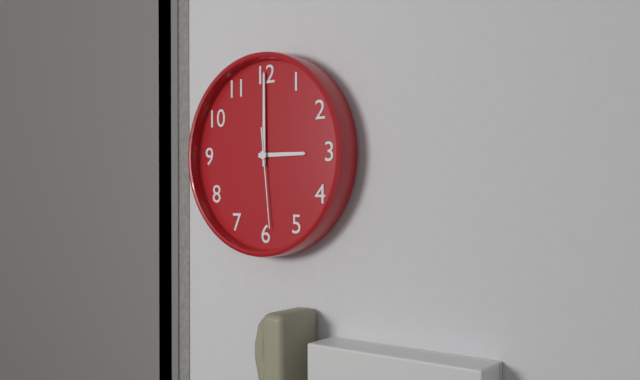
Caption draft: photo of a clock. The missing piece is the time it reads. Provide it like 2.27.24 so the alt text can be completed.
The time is 3.00.29
